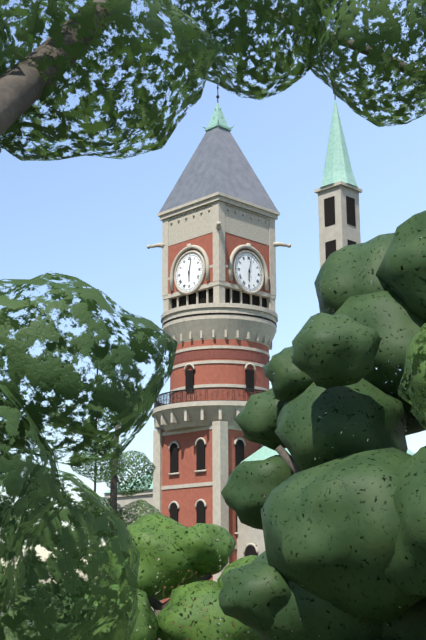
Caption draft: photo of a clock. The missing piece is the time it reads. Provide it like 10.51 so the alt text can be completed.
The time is 6.02
